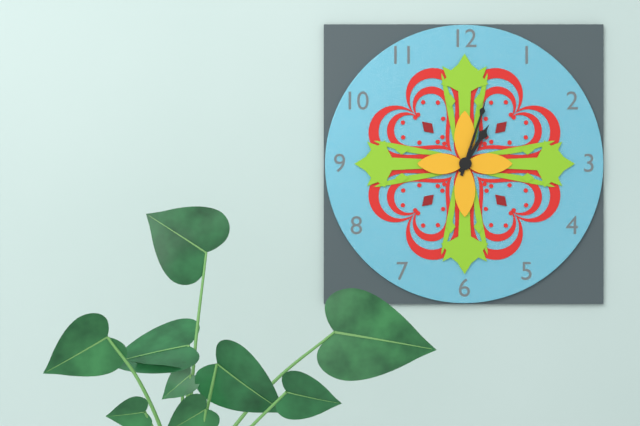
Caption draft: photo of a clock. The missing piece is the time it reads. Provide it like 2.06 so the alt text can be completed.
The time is 1.03
